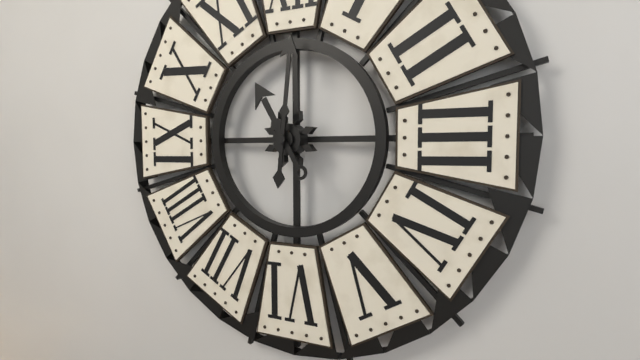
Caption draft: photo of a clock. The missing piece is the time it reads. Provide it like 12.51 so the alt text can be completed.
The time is 11.01
